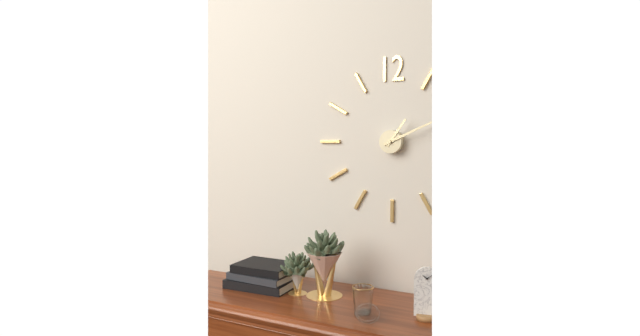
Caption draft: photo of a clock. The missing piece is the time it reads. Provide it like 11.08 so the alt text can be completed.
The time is 1.11
